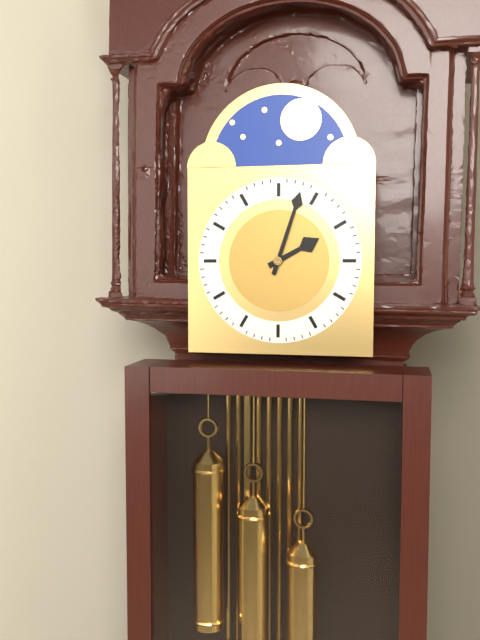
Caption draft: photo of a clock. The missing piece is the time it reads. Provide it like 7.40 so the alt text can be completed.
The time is 2.03
